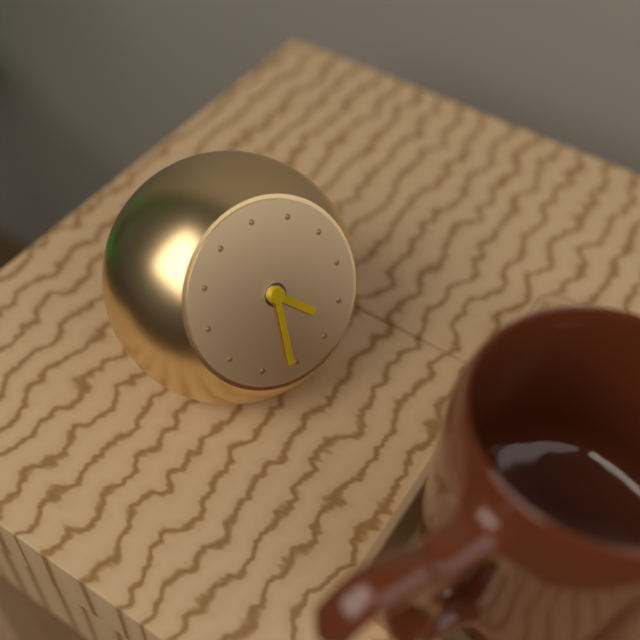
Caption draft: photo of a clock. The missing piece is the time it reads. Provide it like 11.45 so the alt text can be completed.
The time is 4.31
